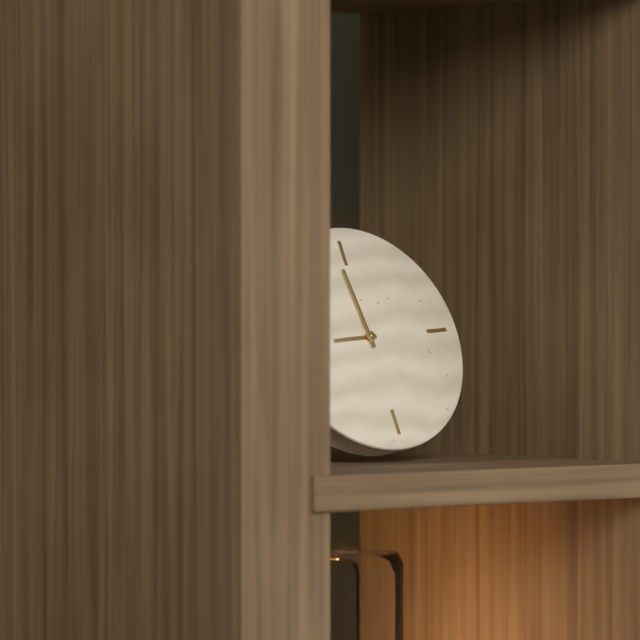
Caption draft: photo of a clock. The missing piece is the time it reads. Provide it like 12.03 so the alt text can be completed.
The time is 8.59
